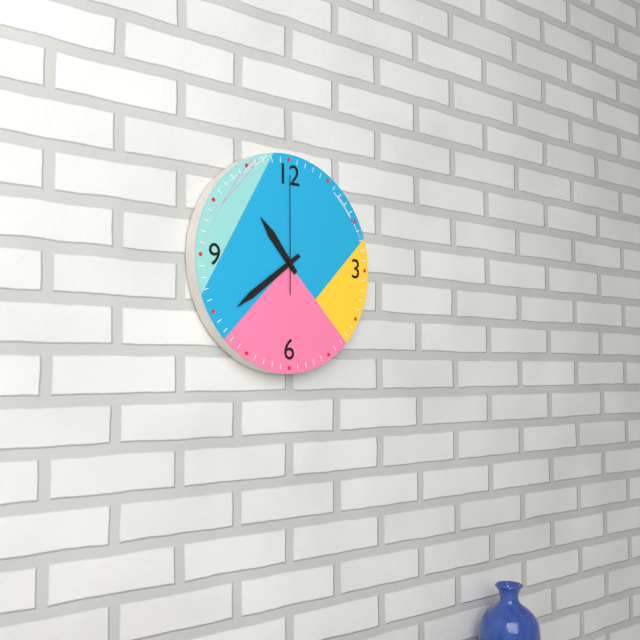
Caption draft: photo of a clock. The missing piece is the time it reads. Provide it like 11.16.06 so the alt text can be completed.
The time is 10.39.00
